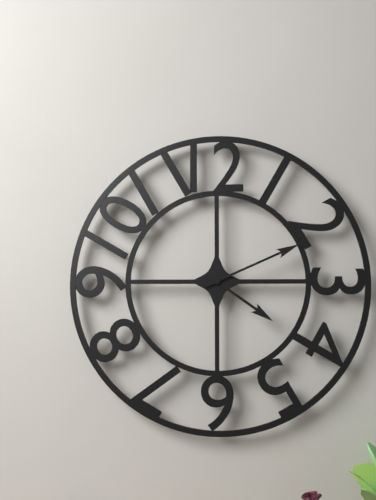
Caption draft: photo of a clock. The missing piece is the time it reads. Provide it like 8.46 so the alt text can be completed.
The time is 4.11
